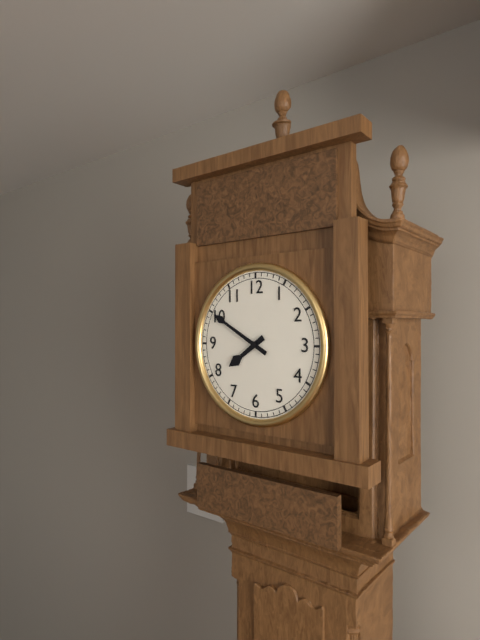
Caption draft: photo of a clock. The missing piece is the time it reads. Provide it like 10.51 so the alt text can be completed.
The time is 7.50
